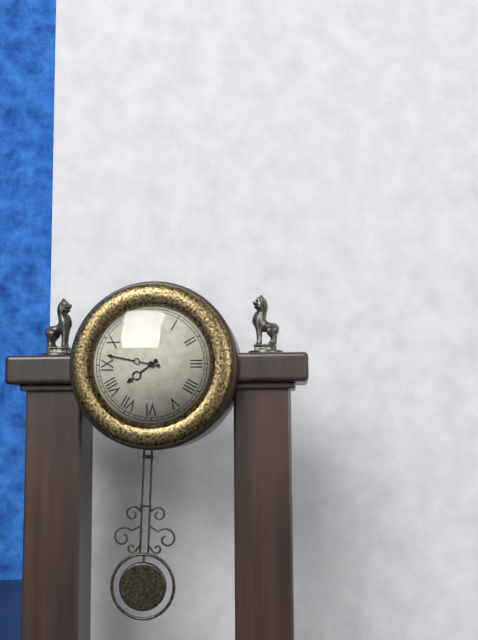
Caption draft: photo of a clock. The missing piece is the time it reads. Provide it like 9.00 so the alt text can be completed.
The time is 7.47
